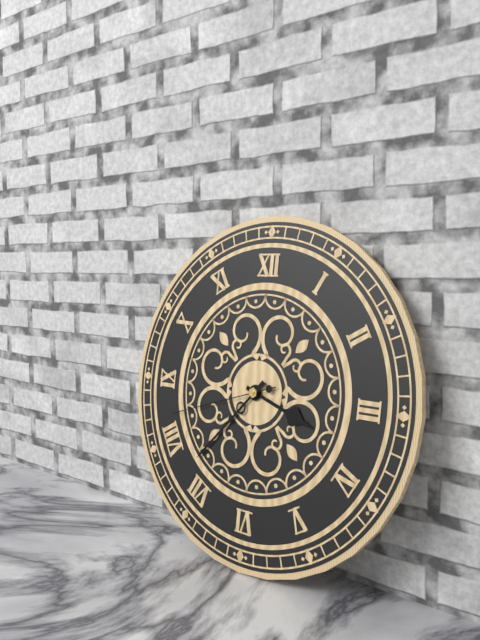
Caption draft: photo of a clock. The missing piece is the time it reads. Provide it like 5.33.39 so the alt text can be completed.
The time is 3.37.42
